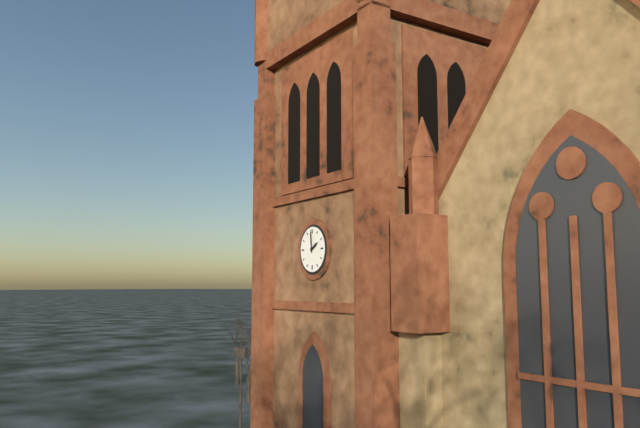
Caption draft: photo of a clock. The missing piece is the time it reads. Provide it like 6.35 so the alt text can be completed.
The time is 1.59
